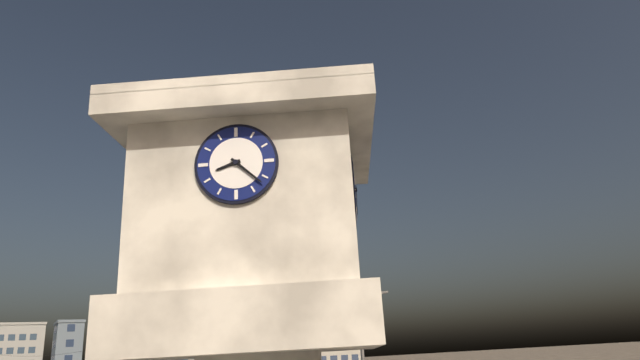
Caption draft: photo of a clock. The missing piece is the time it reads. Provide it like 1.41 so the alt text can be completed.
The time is 8.22
